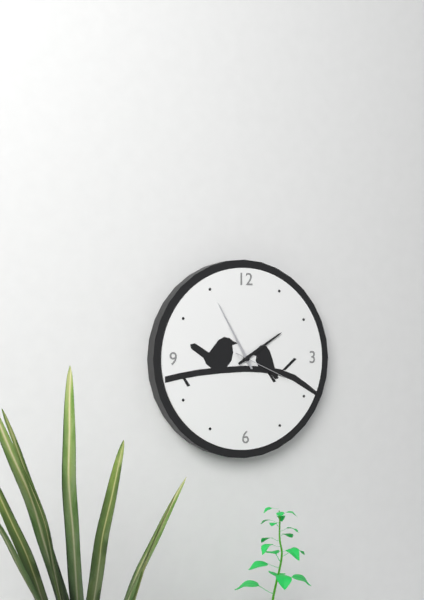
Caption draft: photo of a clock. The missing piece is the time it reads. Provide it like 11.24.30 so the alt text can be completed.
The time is 1.55.19
